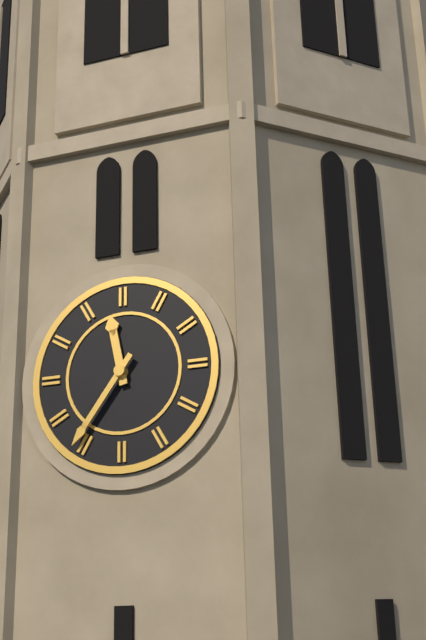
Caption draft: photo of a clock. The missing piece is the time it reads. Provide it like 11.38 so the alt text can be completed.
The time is 11.36
